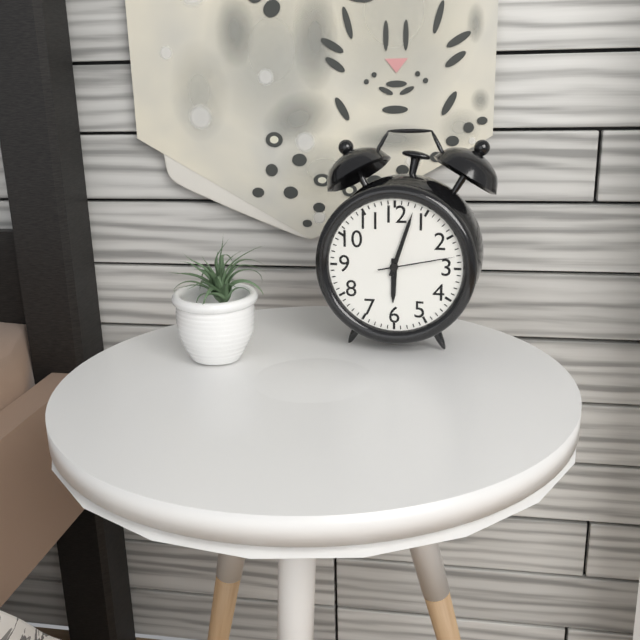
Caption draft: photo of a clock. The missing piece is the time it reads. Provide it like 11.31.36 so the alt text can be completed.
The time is 6.03.13
